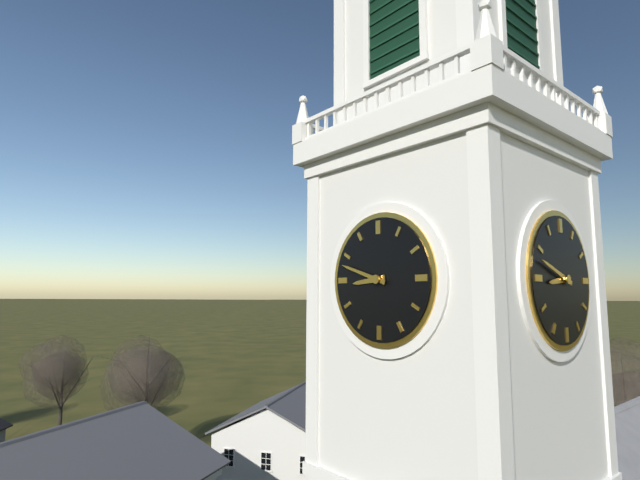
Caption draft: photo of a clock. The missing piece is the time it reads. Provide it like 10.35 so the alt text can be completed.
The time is 8.48
